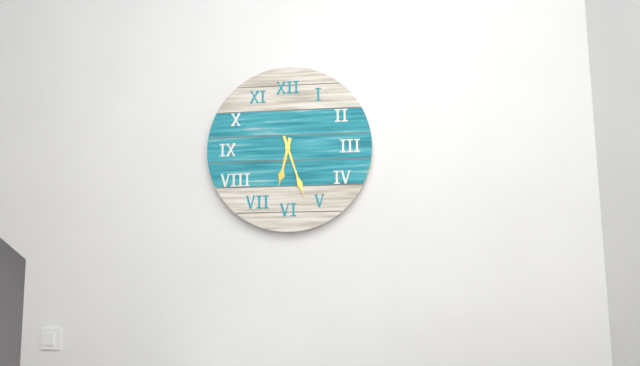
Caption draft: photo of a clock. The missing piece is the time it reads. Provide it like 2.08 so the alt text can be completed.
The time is 6.27
